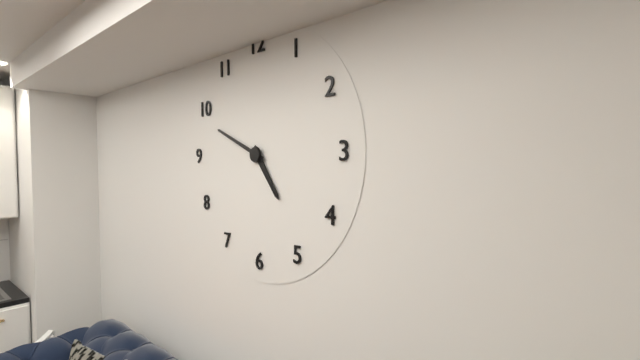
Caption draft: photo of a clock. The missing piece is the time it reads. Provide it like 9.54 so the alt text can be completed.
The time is 4.49
